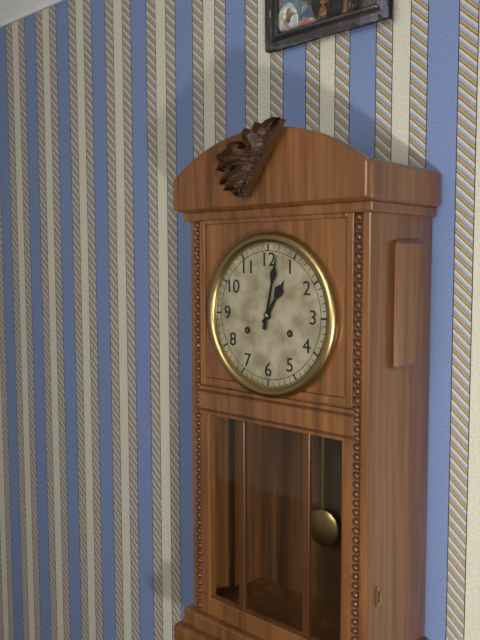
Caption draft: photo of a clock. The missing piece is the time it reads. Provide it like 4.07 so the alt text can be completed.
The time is 1.02
